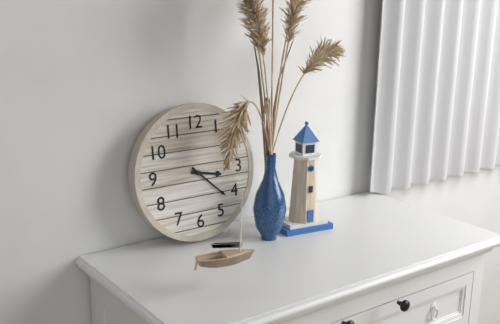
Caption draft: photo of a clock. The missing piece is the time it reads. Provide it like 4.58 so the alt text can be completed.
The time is 3.22
